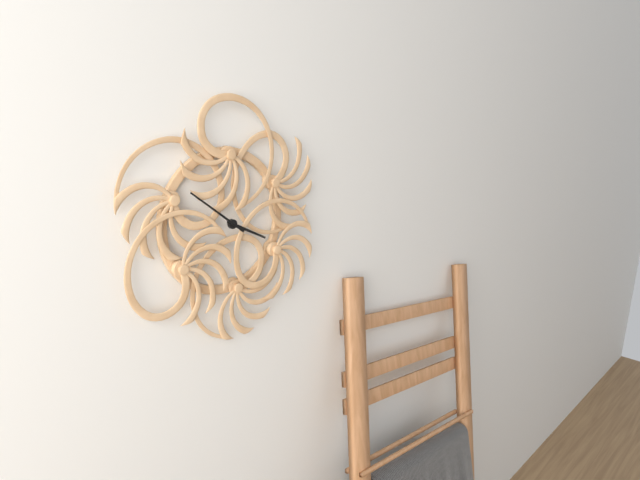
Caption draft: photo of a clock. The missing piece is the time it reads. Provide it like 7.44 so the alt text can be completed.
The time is 3.51
